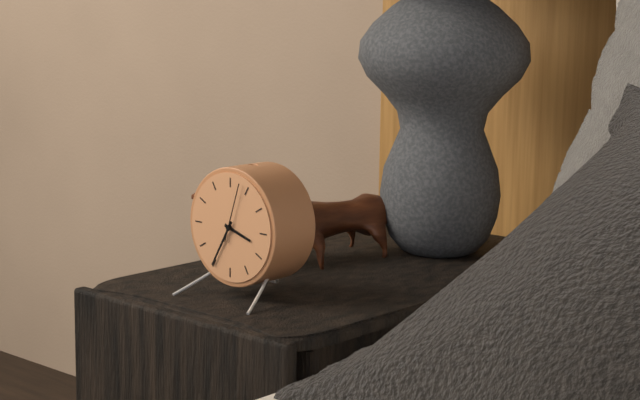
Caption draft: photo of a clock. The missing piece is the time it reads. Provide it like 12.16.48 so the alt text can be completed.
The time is 3.35.03
